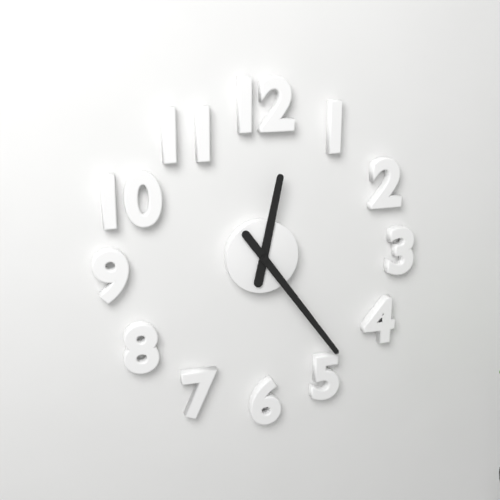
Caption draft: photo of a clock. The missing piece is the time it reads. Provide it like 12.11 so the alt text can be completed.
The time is 12.24
